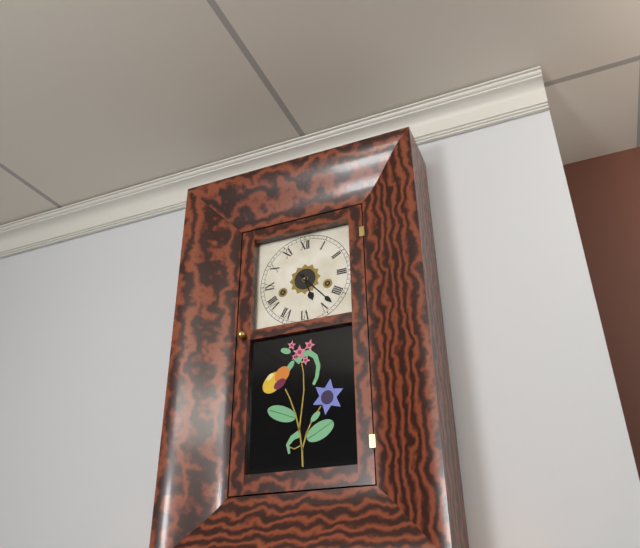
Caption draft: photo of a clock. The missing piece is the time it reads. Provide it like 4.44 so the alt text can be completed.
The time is 5.23
